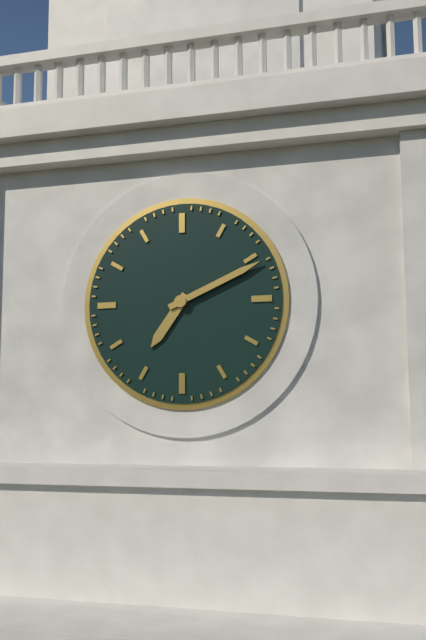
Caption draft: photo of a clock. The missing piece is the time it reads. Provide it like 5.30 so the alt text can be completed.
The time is 7.11
